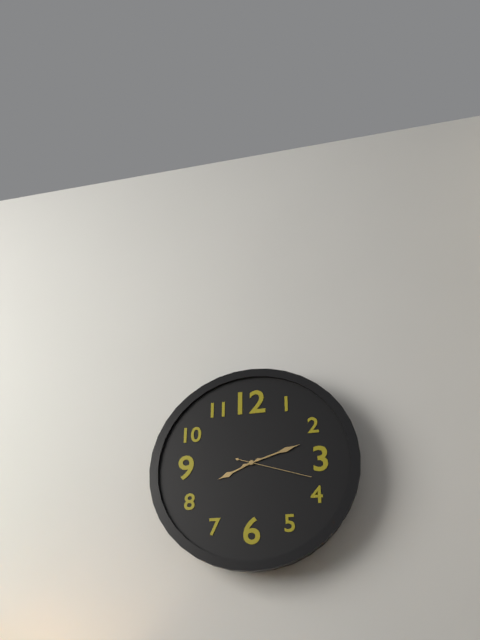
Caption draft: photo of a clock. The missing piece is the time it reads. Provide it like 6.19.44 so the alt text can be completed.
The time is 8.12.18
